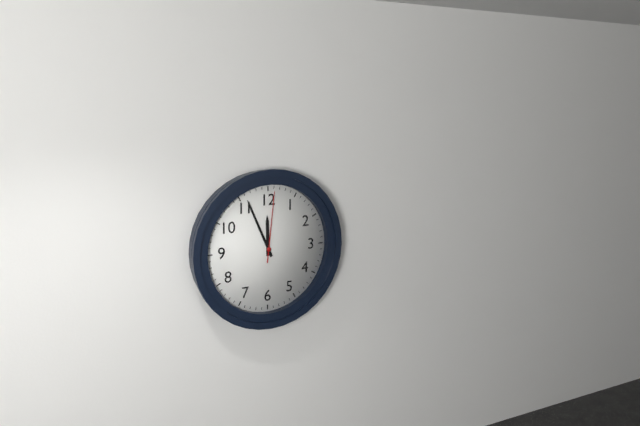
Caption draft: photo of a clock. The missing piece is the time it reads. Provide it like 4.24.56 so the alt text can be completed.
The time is 11.56.01
